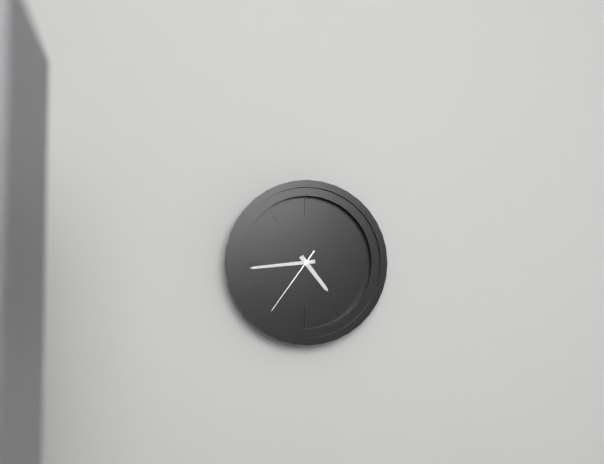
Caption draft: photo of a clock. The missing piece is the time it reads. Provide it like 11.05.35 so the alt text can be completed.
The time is 4.44.36
